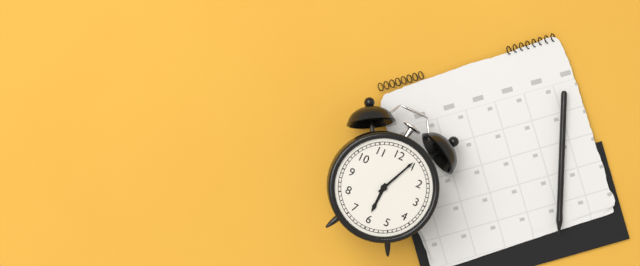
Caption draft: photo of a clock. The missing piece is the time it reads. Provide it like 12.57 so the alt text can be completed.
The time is 6.04
